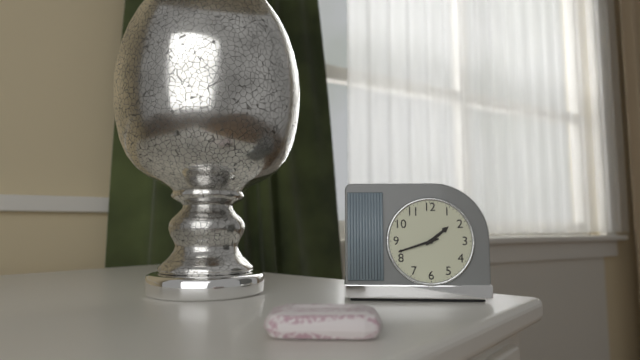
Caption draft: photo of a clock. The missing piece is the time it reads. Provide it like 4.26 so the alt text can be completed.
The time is 1.42
